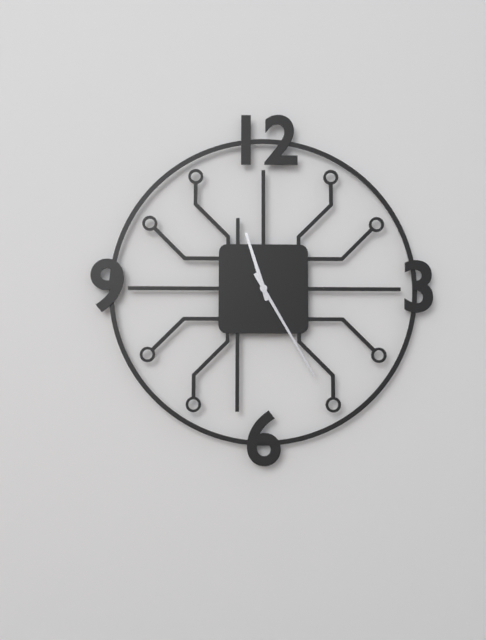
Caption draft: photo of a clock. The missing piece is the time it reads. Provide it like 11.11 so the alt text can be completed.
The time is 11.25
